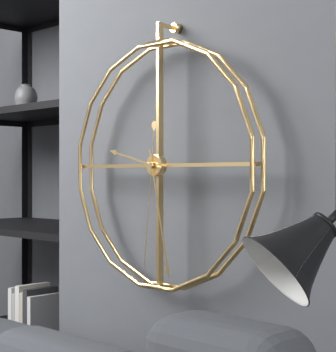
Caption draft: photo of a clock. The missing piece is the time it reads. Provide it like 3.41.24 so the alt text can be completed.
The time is 9.28.31
